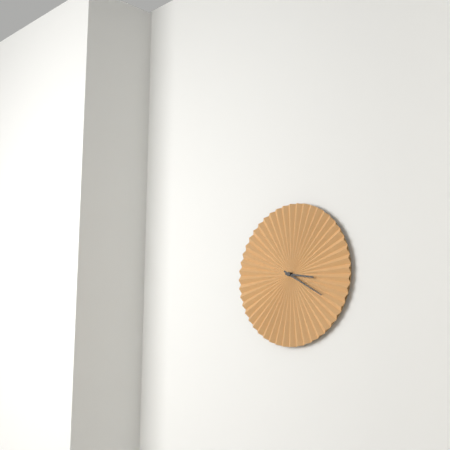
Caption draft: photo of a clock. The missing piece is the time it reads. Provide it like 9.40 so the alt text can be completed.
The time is 3.20
